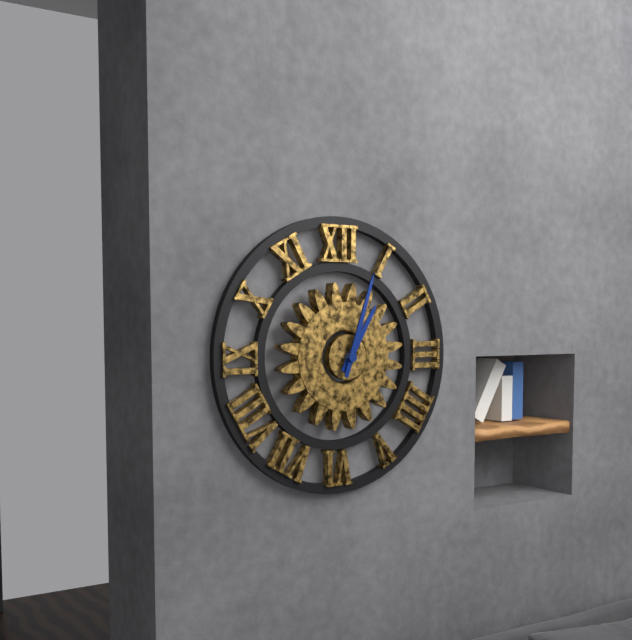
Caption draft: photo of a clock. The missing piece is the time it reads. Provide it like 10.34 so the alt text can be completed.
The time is 1.03
